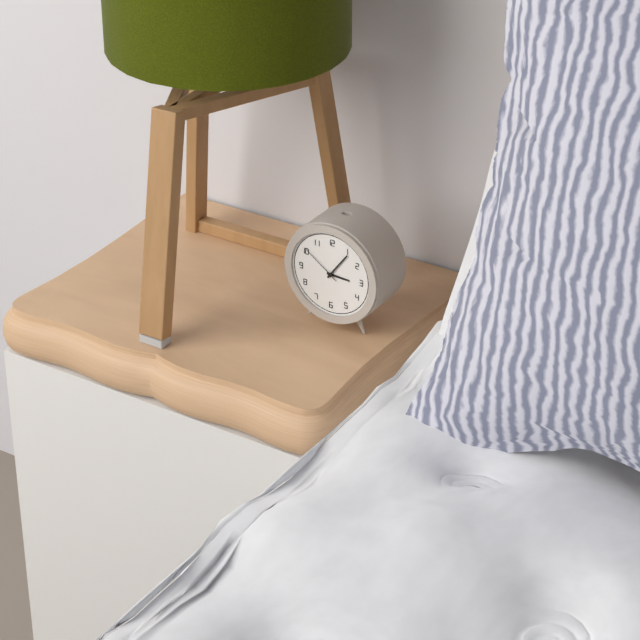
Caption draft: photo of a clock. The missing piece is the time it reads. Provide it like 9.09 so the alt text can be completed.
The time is 3.06
